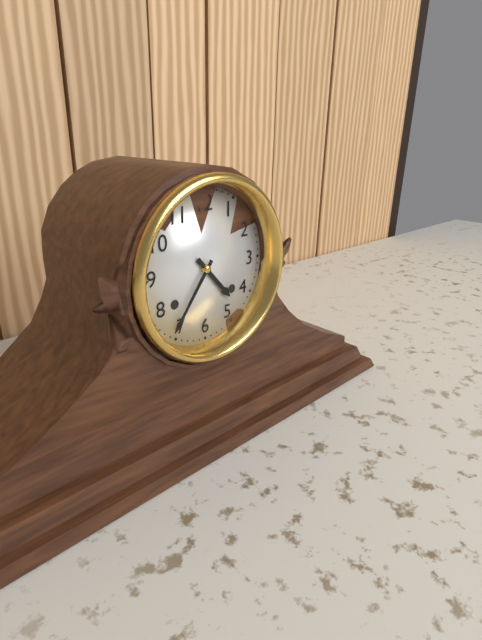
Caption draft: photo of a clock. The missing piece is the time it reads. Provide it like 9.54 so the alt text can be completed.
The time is 4.36
